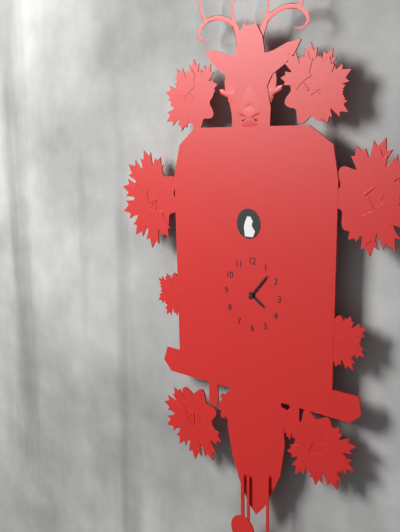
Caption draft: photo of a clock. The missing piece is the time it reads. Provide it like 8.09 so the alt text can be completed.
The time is 4.07
